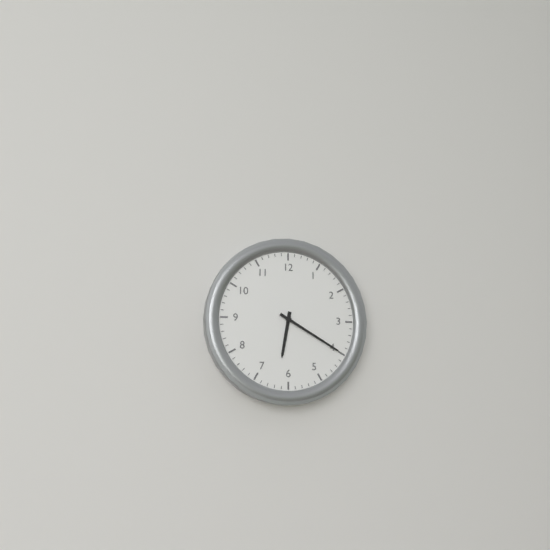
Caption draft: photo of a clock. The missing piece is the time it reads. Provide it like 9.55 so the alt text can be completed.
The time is 6.20
